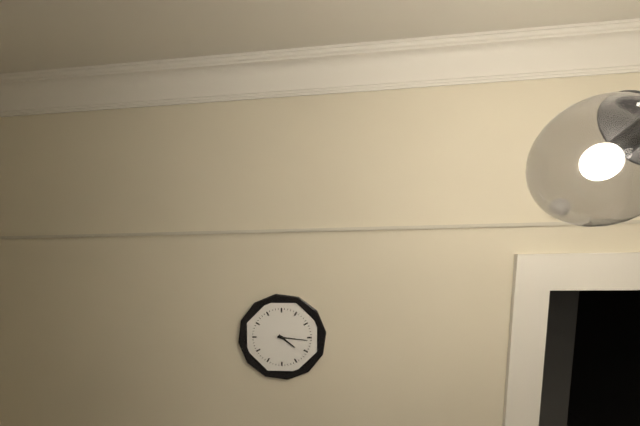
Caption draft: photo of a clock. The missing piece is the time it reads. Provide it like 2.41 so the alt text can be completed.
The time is 4.16
